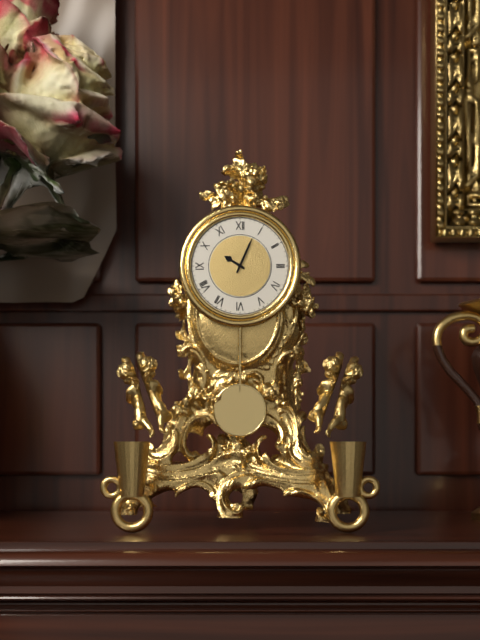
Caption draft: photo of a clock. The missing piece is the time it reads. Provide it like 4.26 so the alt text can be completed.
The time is 10.04
